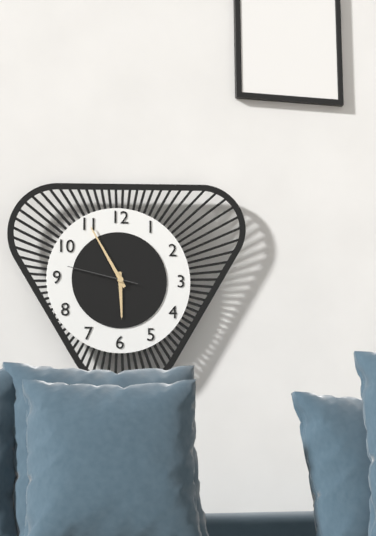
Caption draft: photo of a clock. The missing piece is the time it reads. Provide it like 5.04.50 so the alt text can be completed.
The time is 5.55.47
